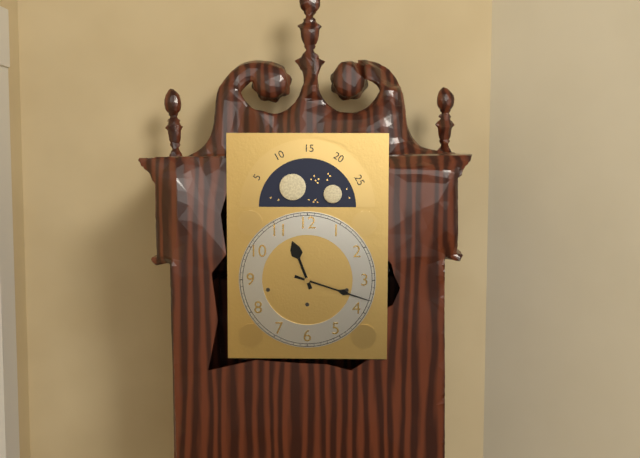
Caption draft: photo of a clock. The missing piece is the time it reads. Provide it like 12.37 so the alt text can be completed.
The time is 11.18
